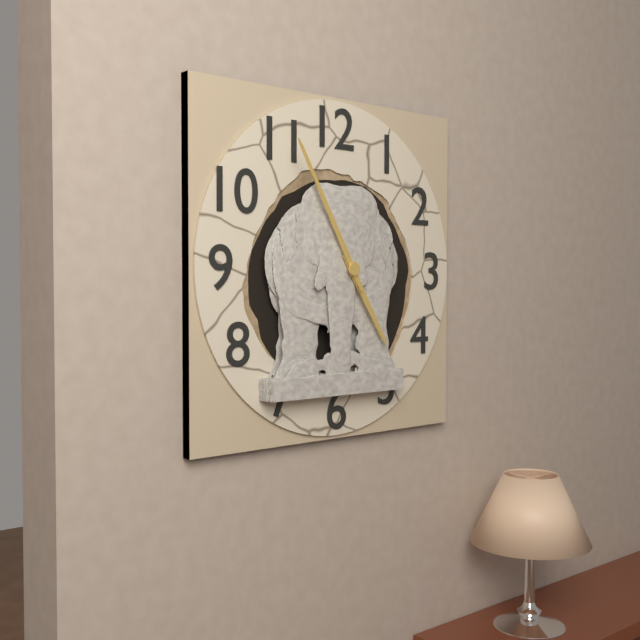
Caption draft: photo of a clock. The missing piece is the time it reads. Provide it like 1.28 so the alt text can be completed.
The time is 4.55
